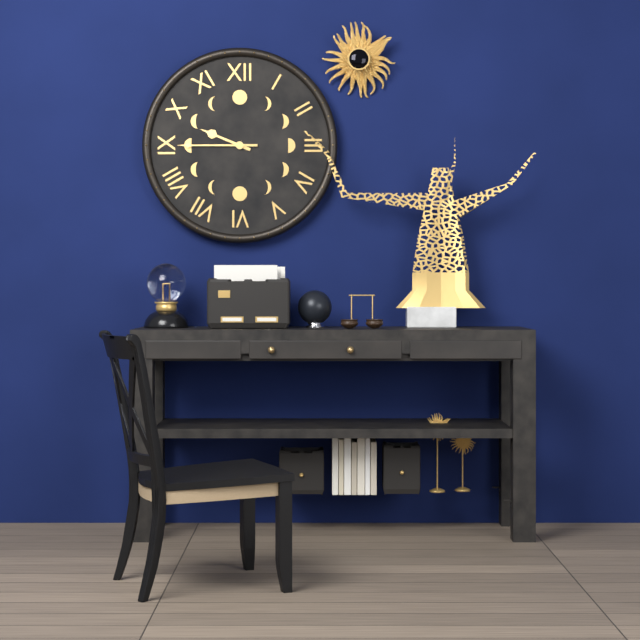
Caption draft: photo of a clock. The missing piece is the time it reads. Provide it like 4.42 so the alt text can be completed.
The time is 9.45
